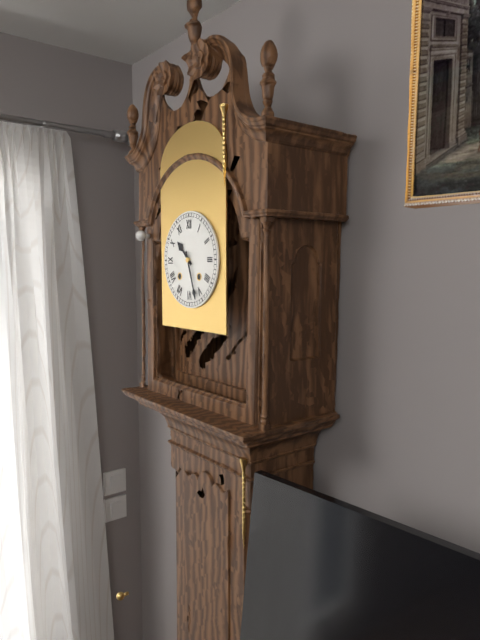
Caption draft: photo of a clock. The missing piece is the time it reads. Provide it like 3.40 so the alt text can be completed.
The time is 10.27
